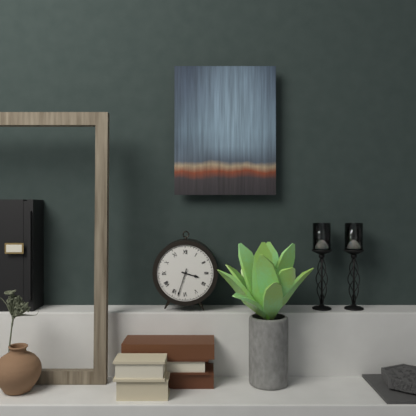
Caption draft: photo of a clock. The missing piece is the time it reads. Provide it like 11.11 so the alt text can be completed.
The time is 3.33
